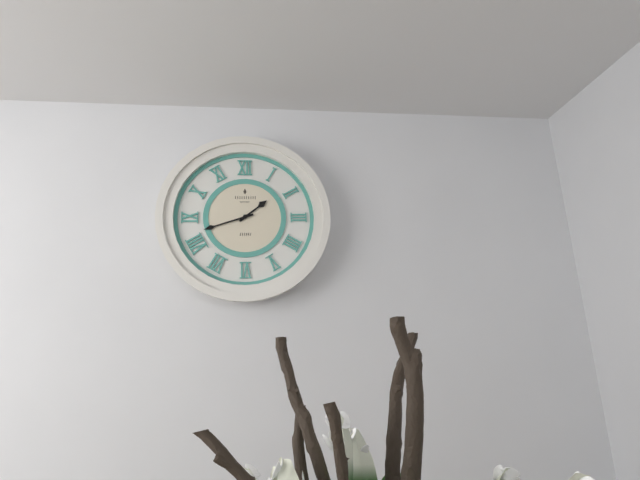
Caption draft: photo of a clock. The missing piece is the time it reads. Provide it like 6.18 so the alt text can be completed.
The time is 1.42
